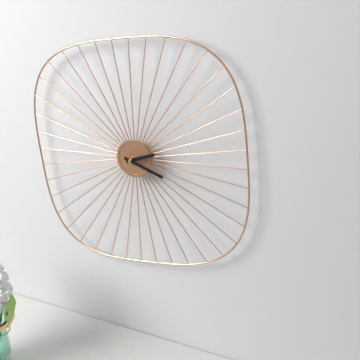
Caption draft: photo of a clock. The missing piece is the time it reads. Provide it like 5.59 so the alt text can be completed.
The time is 2.18
